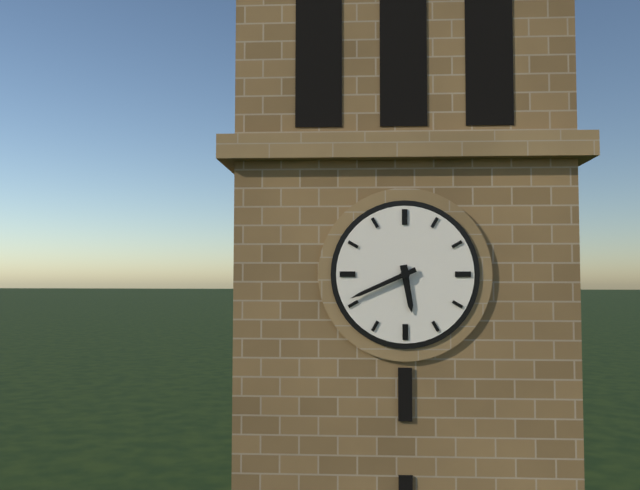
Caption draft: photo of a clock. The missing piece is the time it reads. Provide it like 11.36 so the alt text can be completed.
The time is 5.41
